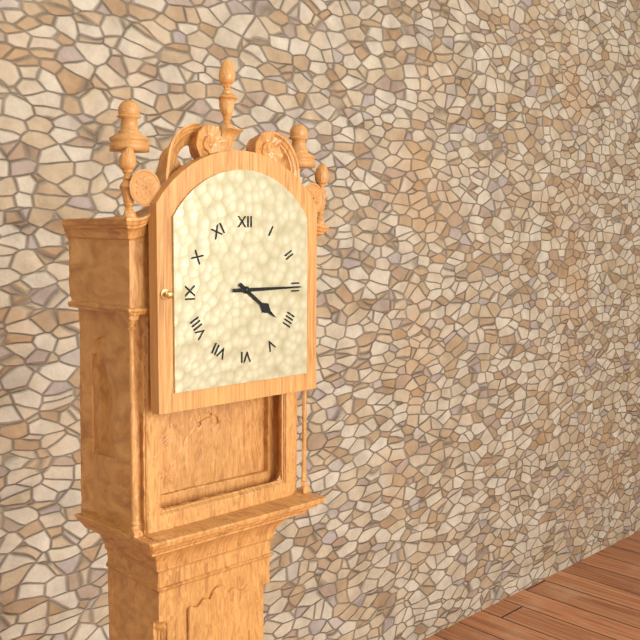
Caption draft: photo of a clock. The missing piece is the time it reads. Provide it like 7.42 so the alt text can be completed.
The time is 4.15
